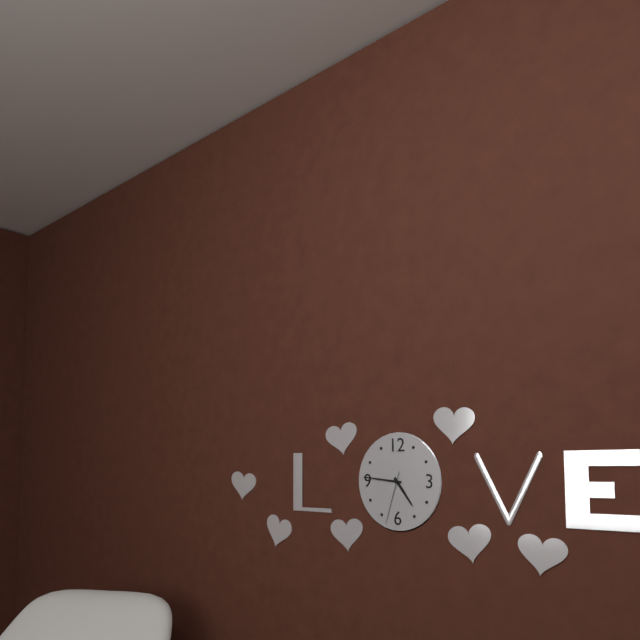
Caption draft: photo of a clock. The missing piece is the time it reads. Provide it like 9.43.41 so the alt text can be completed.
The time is 4.46.33
